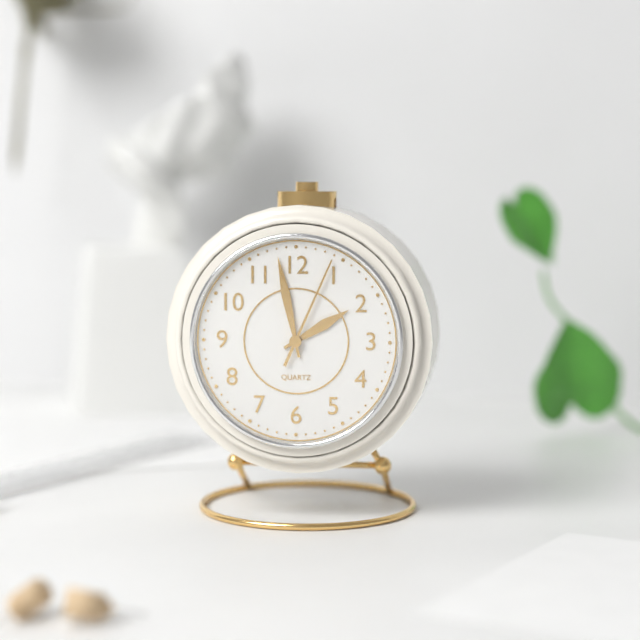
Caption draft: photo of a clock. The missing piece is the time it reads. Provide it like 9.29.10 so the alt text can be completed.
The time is 1.58.04
